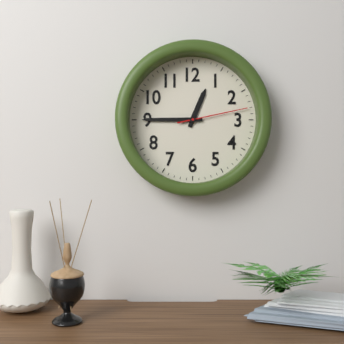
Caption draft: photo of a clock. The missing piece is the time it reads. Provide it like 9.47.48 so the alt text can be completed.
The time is 12.45.13
